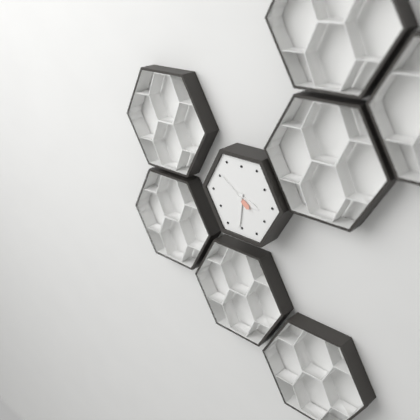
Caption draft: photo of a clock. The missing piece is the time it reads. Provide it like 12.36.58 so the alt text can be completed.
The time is 3.31.51
